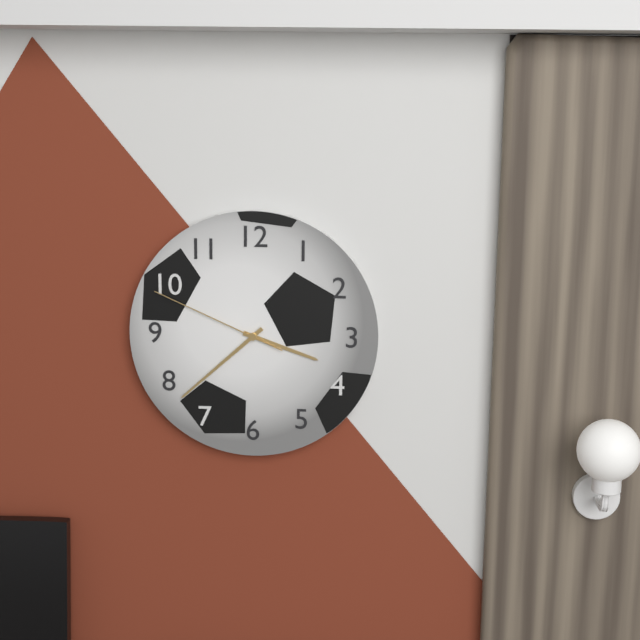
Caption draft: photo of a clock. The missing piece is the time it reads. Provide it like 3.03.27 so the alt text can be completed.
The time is 3.38.49
